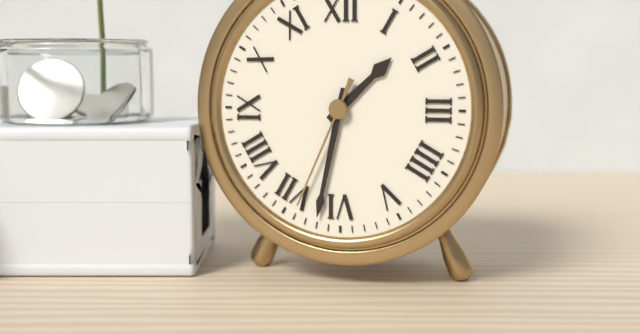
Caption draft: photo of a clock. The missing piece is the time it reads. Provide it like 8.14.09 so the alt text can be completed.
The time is 1.32.34
